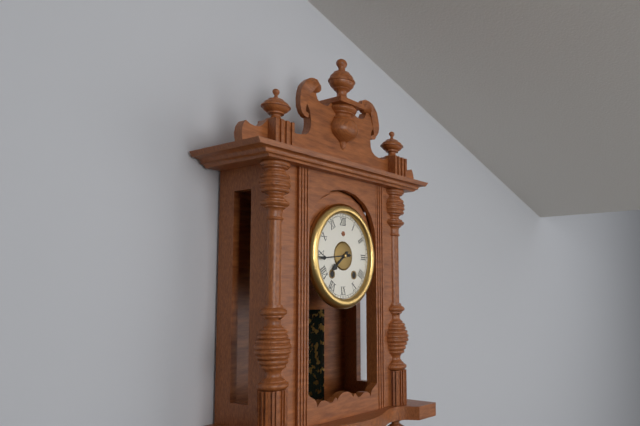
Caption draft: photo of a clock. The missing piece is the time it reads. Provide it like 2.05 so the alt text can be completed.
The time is 7.44
